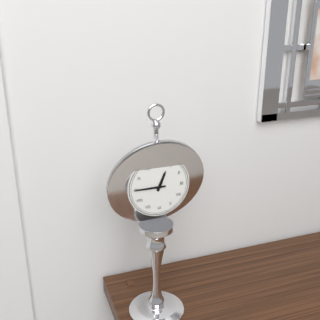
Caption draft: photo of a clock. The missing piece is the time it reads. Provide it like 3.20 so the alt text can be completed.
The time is 12.45
